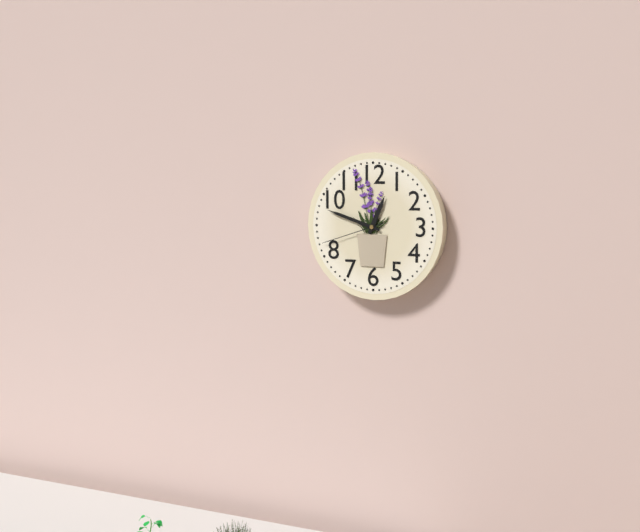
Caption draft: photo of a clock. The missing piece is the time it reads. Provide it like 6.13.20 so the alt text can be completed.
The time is 12.48.42
